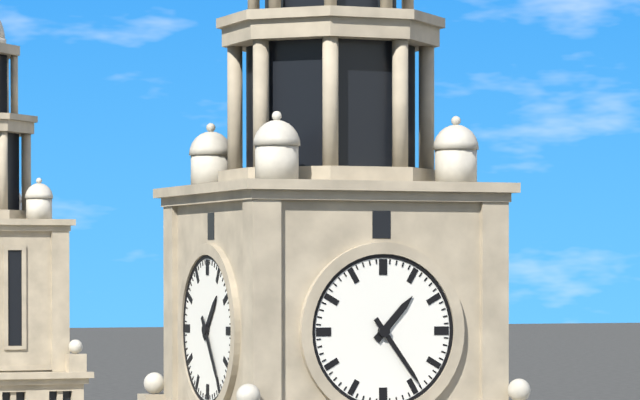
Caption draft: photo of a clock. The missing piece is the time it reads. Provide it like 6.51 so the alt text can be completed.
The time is 1.24
